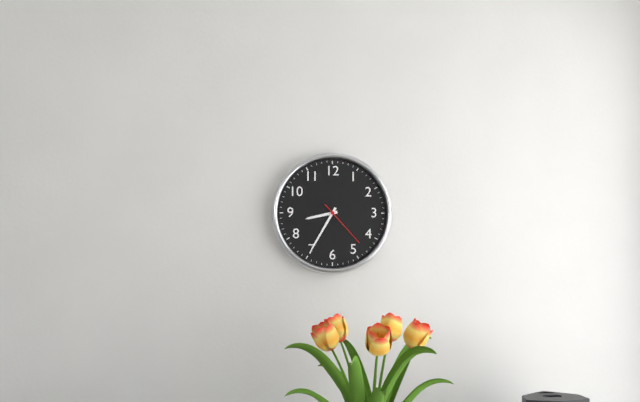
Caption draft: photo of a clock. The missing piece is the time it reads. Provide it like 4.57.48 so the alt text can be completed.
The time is 8.35.23
